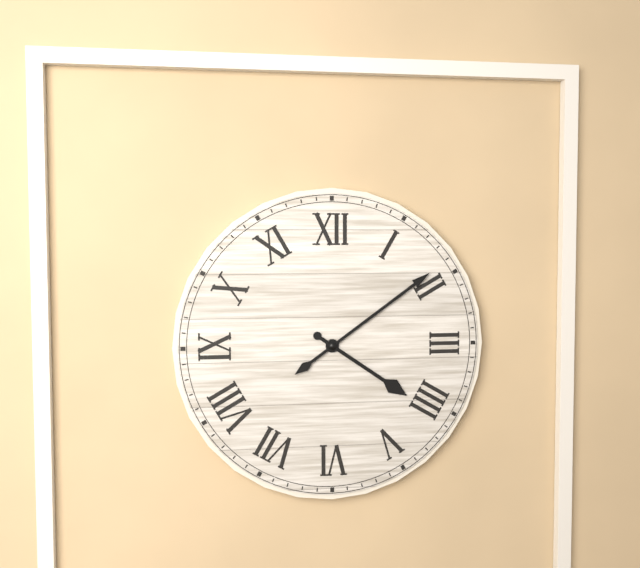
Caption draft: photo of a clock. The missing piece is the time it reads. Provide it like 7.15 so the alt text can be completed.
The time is 4.09
